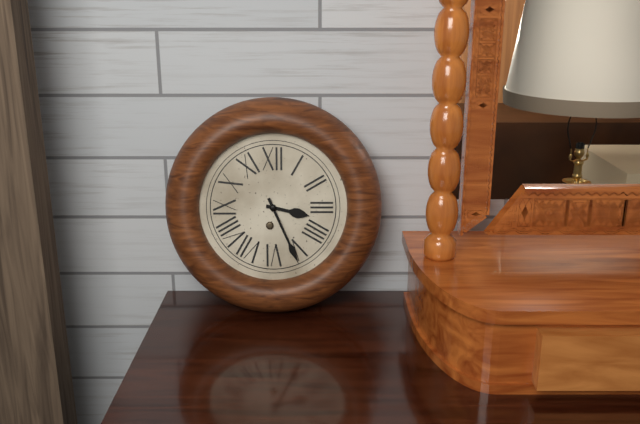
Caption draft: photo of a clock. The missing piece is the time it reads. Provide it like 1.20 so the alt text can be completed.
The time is 3.26
